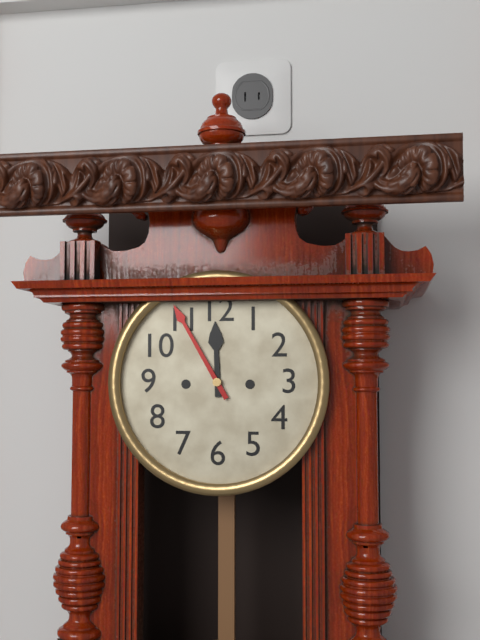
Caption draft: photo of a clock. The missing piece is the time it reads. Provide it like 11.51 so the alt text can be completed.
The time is 11.55
